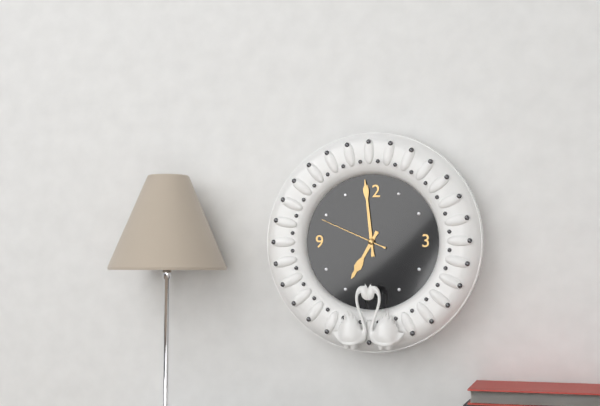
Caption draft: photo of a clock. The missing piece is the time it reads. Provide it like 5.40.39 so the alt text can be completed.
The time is 6.59.49
